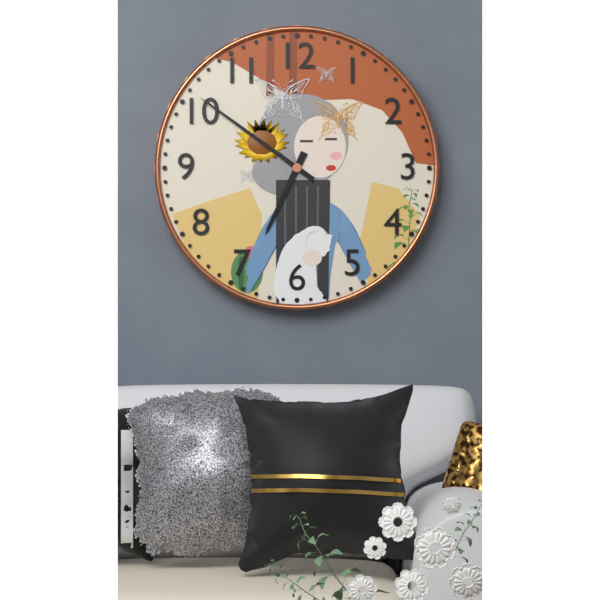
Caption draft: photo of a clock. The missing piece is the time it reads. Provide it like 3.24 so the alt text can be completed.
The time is 6.51
